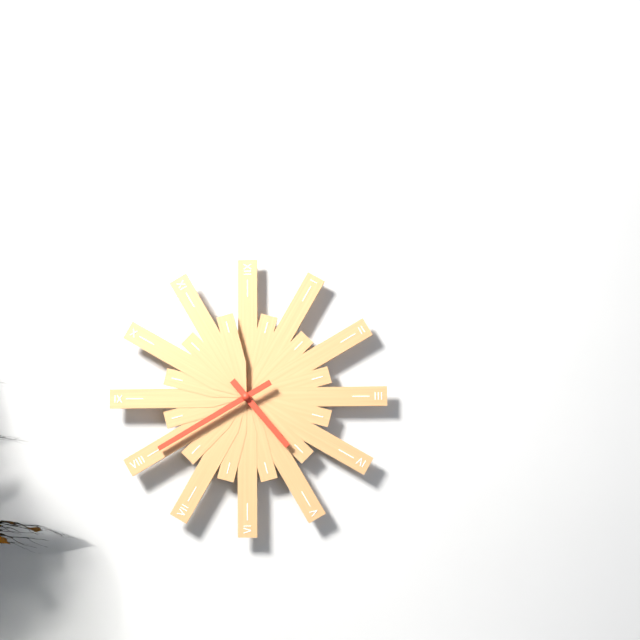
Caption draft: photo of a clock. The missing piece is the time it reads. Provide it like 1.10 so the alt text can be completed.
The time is 4.40
